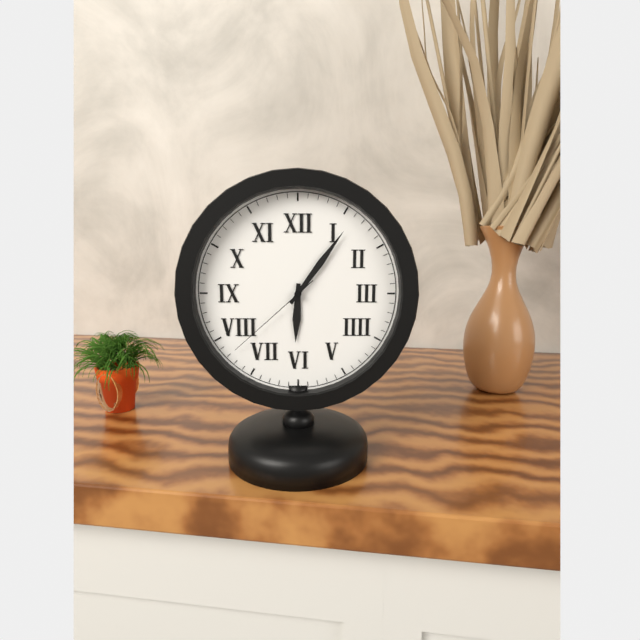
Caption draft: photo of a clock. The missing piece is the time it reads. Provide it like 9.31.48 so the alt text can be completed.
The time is 6.06.38
